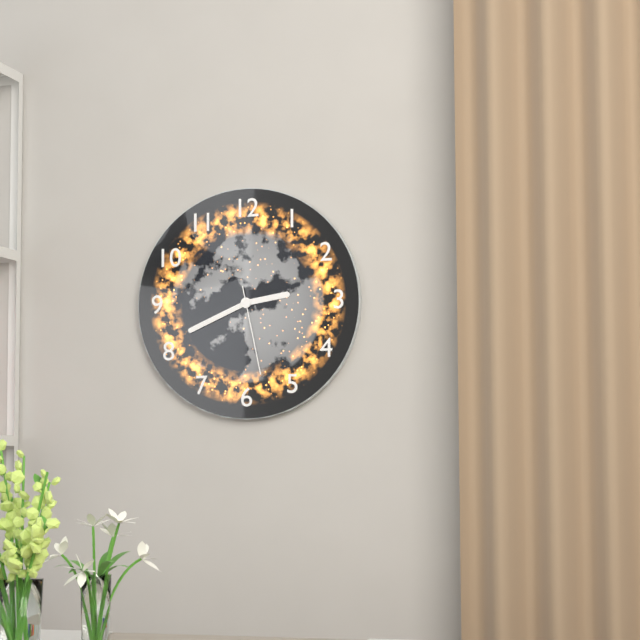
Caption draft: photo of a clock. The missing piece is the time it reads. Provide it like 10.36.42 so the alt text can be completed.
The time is 2.41.28
